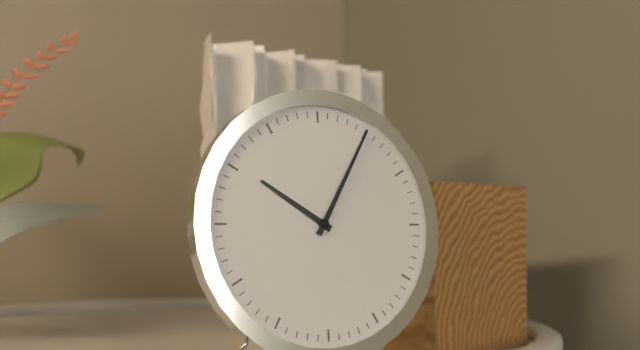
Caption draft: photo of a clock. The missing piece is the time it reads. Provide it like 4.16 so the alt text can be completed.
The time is 10.05
